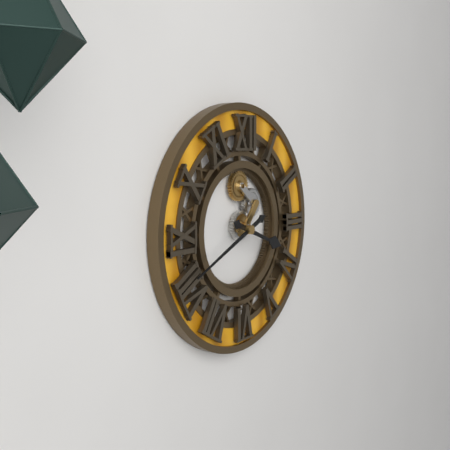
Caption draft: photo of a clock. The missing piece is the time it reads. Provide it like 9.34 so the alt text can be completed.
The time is 3.41
